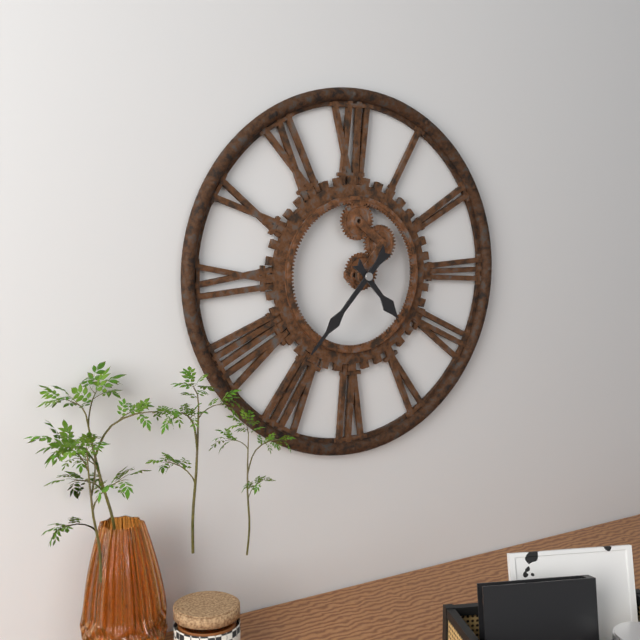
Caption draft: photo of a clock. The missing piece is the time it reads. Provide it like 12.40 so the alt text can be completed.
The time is 4.37
